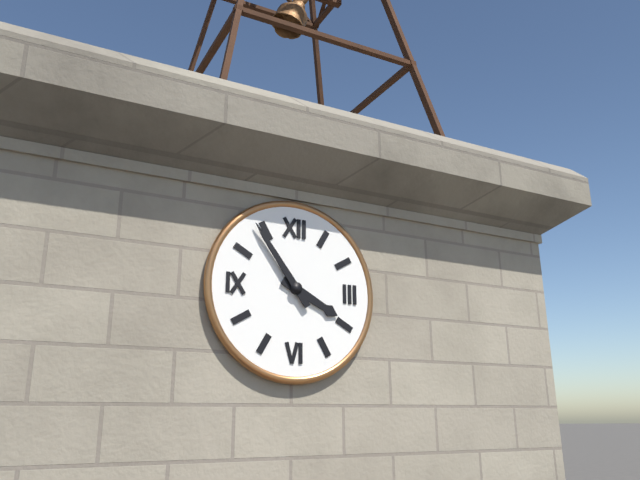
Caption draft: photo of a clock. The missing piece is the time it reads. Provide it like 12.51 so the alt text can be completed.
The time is 3.54
